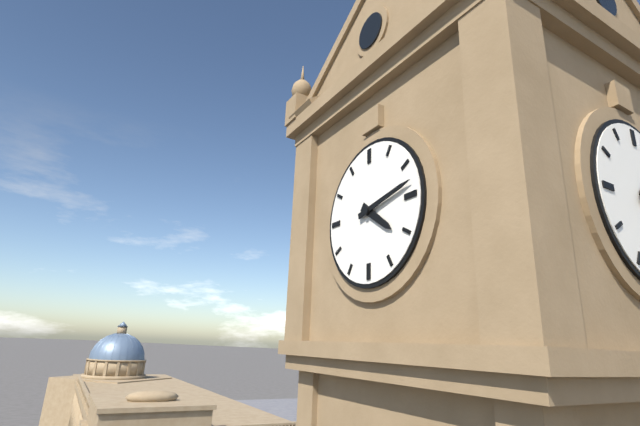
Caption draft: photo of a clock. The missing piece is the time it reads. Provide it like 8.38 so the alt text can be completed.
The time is 4.13
